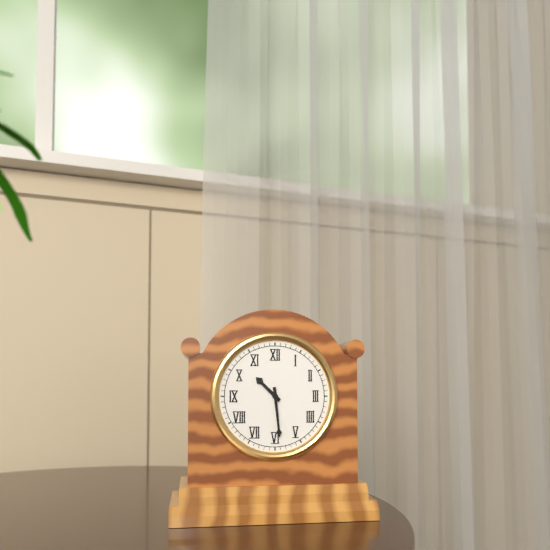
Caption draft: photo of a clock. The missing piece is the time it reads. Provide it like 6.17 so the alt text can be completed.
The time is 10.29
